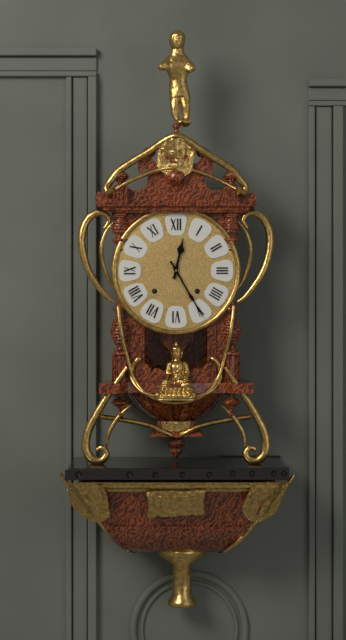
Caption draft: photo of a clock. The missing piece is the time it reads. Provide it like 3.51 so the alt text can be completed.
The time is 12.25
